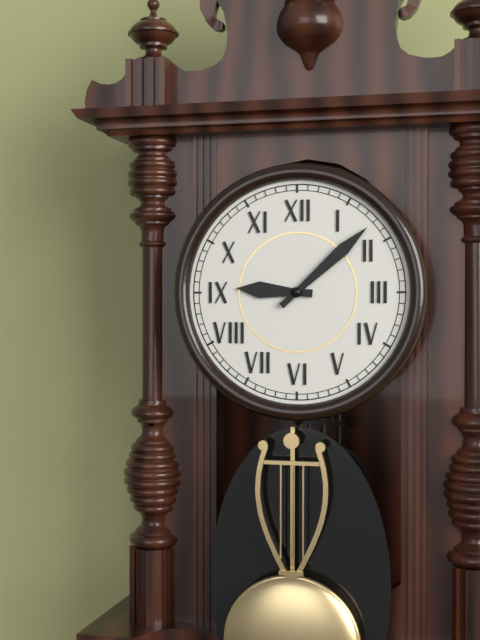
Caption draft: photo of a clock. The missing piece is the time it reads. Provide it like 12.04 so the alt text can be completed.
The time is 9.08
